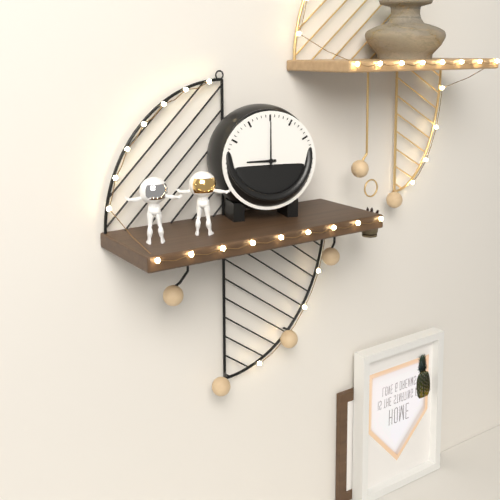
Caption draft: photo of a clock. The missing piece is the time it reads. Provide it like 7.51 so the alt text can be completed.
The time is 9.00
